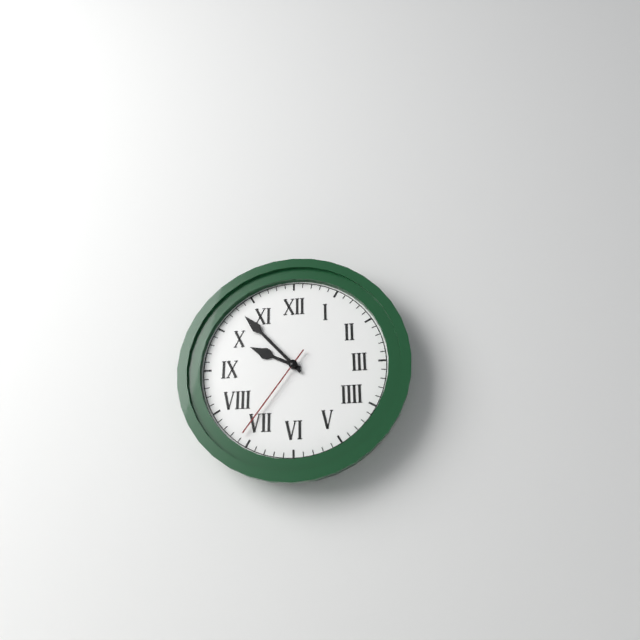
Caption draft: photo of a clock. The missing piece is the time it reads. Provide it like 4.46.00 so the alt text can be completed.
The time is 9.53.36
